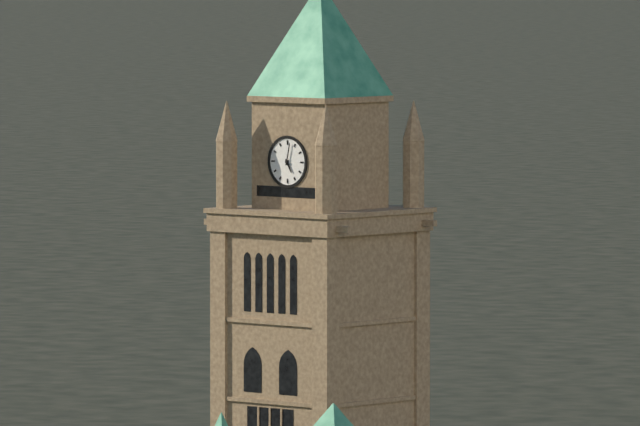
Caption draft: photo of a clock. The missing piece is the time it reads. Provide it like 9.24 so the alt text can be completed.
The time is 5.02
